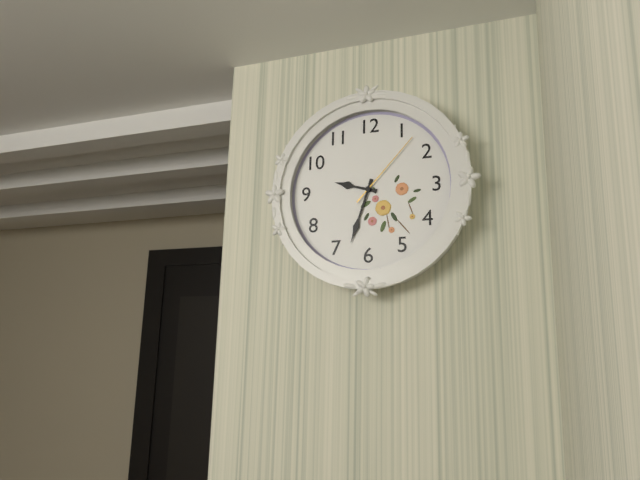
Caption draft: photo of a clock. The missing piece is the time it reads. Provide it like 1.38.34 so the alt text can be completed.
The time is 9.33.07
